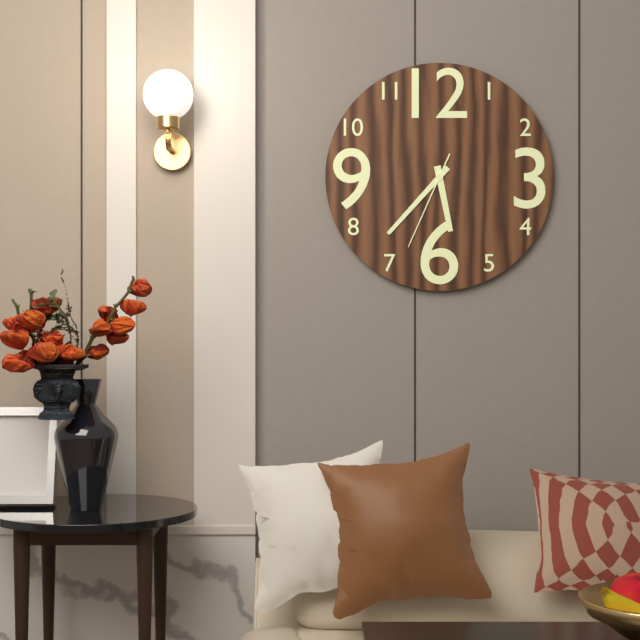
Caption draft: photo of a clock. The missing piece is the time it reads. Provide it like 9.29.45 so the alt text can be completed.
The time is 5.37.34
